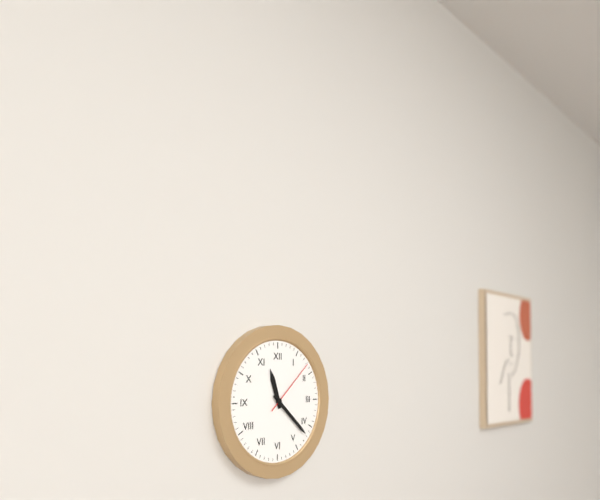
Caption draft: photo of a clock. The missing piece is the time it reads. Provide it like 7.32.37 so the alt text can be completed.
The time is 11.22.08
